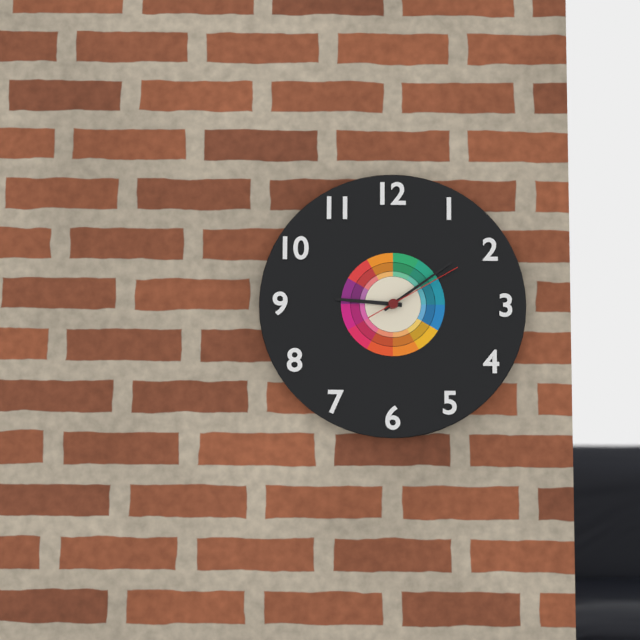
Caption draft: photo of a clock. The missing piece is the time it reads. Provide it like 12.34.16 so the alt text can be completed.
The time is 9.09.10
